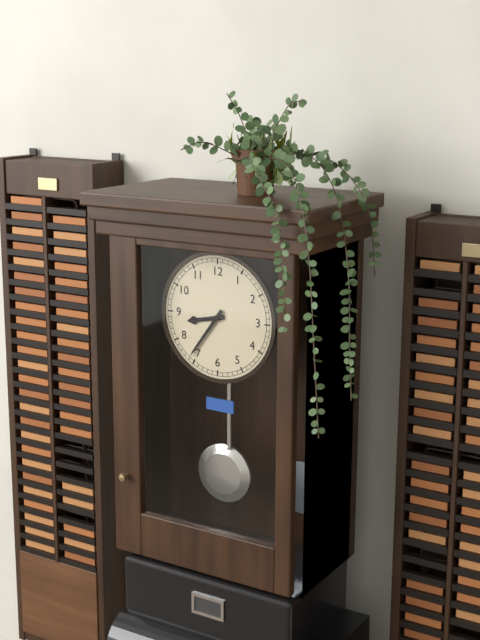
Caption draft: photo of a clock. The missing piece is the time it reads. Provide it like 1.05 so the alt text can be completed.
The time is 8.36
